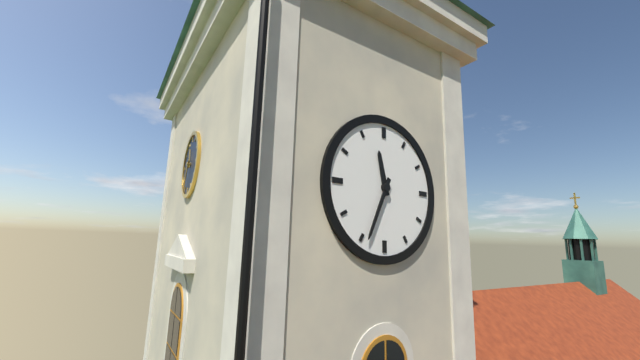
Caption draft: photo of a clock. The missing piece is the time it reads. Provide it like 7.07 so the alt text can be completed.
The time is 11.34
